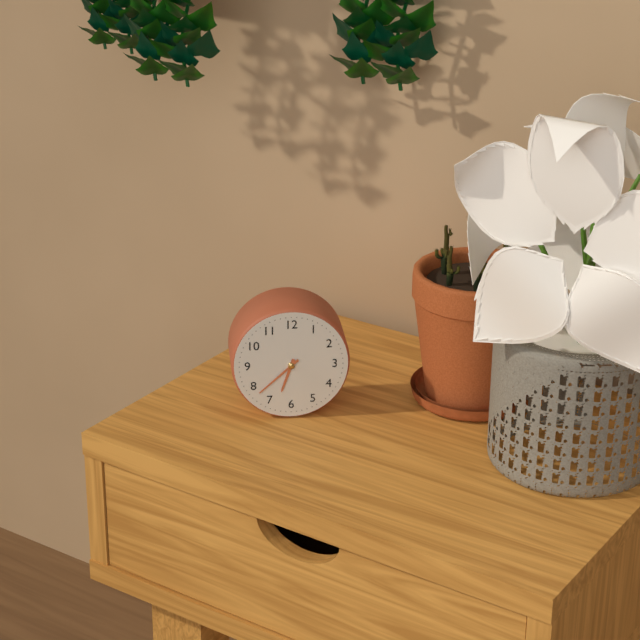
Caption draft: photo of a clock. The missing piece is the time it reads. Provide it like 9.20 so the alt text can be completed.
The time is 6.38
